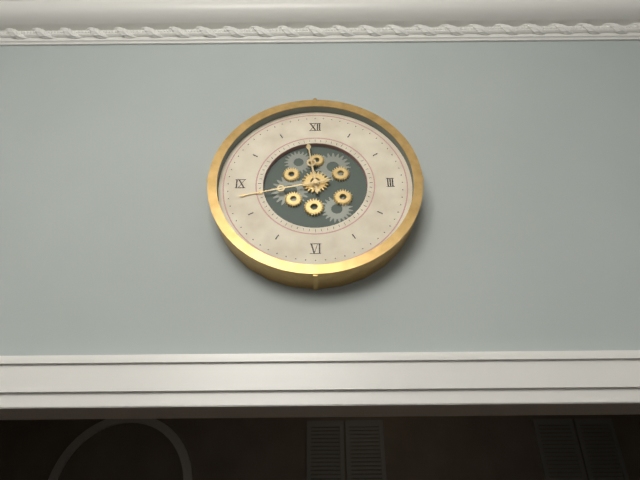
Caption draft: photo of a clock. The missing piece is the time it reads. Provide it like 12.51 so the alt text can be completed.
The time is 11.43
